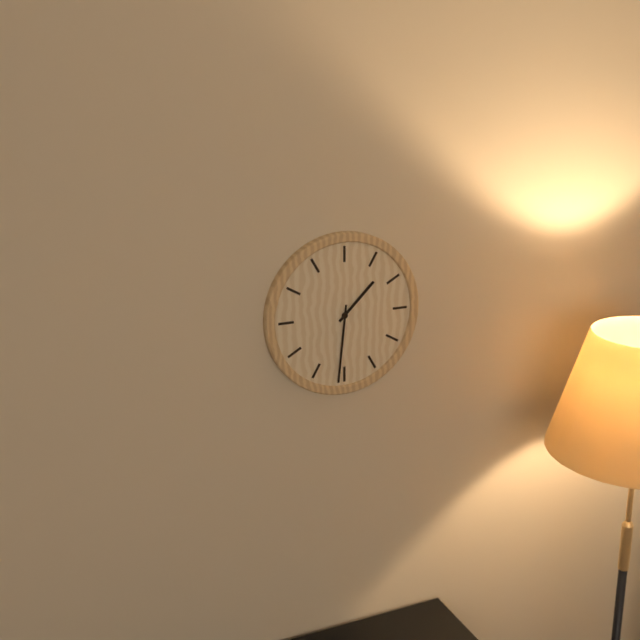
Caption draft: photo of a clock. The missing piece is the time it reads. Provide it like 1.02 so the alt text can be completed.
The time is 1.31
